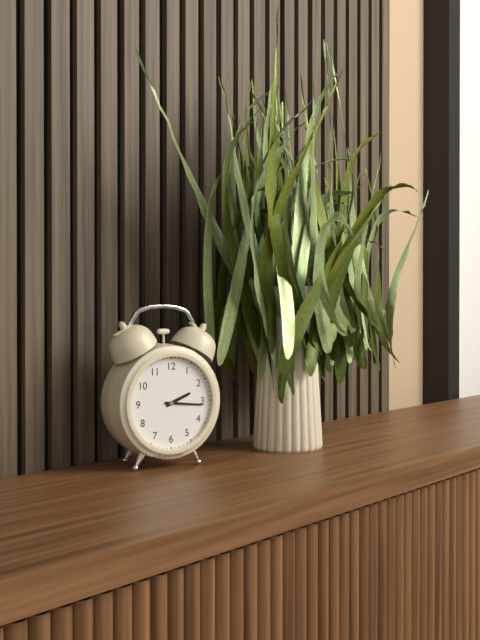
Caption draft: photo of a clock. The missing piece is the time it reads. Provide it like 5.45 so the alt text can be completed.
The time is 2.16
